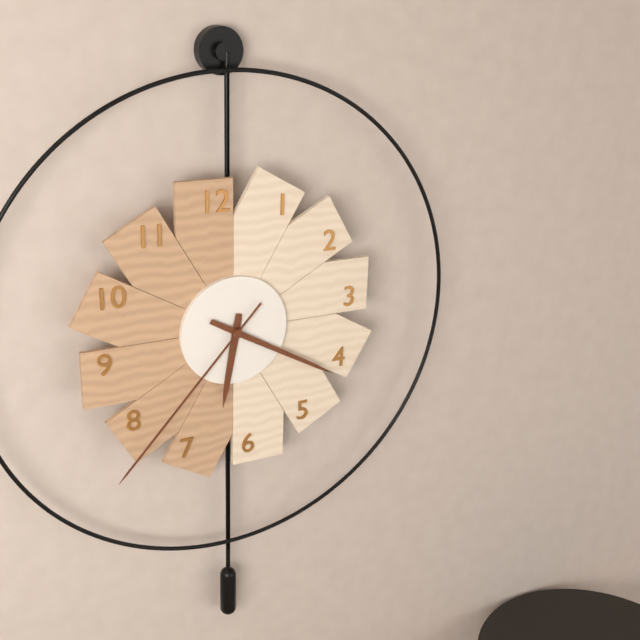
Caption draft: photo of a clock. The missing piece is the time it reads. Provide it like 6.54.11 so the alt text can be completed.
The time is 6.20.37
